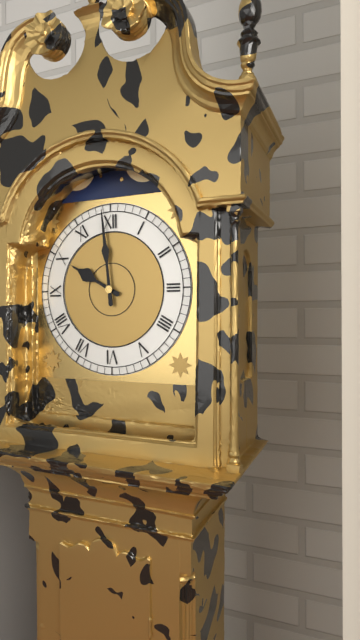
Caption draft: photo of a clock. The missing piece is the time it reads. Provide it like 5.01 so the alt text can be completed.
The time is 9.59
